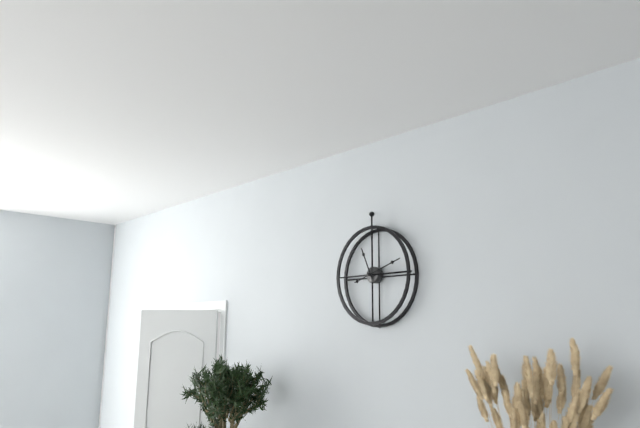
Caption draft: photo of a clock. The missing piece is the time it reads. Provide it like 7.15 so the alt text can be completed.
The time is 11.12
